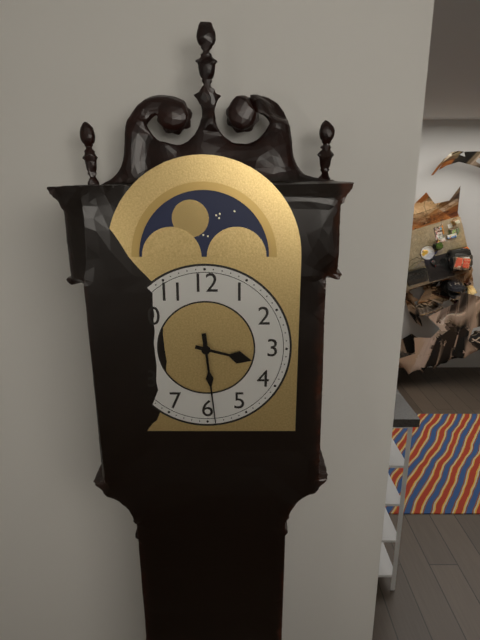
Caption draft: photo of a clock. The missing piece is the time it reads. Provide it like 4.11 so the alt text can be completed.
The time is 3.29
